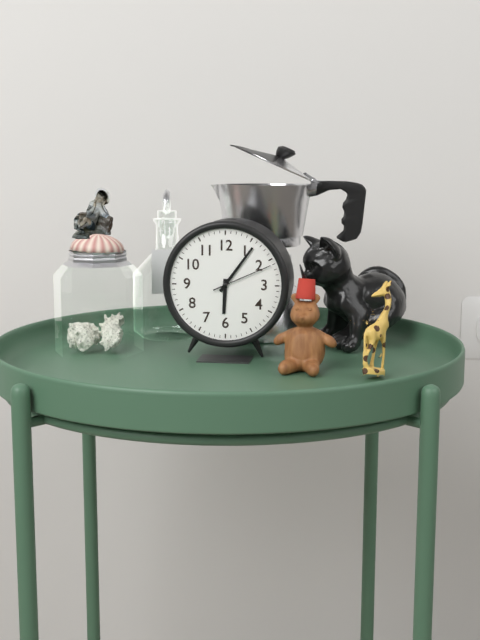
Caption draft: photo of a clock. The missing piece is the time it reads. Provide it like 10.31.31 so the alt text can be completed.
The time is 6.06.11
